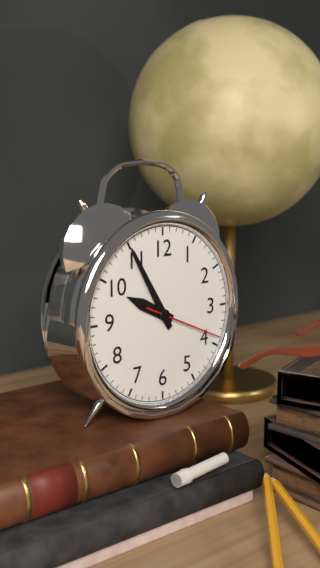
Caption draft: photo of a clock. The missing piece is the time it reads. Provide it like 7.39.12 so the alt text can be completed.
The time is 9.55.19
